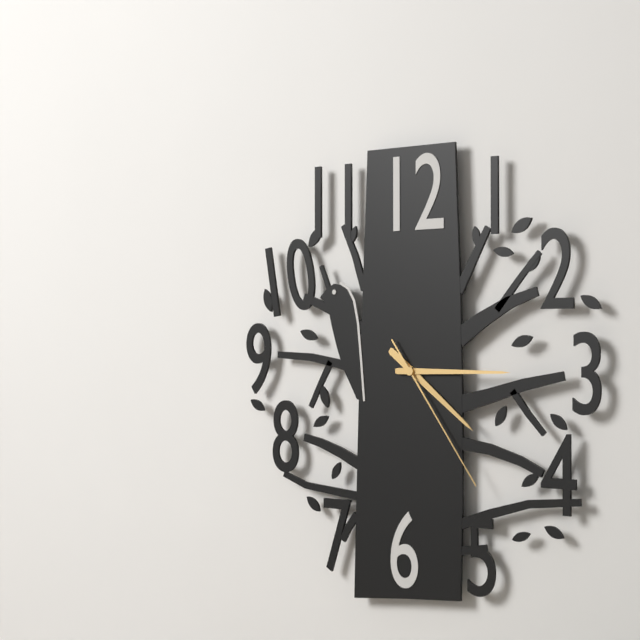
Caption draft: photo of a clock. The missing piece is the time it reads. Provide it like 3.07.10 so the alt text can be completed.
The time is 4.15.24
